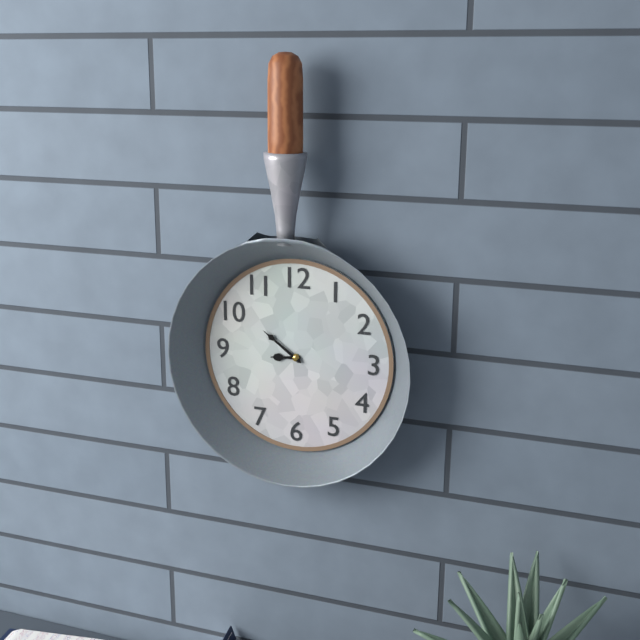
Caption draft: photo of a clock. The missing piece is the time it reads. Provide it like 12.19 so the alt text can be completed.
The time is 8.51
